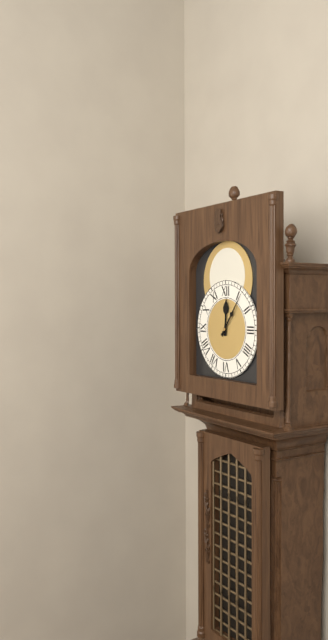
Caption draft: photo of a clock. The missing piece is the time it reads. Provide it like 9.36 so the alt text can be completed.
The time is 12.06
